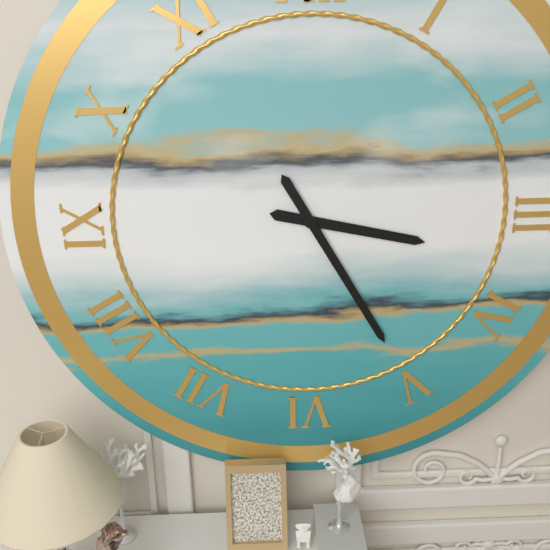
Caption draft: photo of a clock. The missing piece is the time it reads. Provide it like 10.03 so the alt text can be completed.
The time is 3.25
